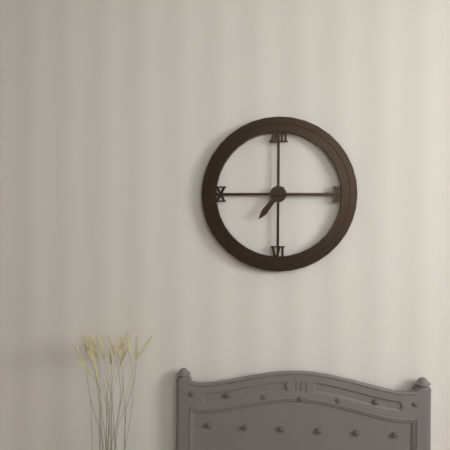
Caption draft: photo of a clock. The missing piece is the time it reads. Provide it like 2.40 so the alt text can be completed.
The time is 7.15
